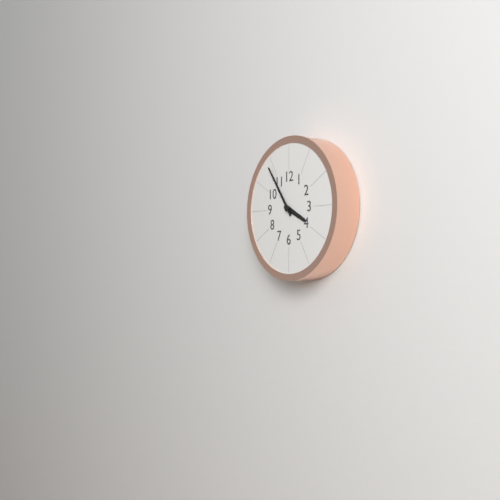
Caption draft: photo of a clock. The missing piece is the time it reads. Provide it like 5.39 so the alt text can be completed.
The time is 3.54
